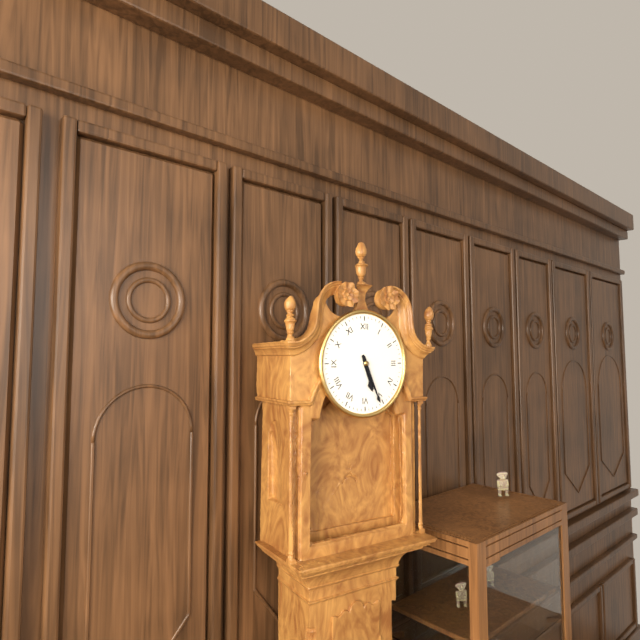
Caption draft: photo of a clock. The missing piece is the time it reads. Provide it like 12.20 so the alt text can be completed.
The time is 5.26
